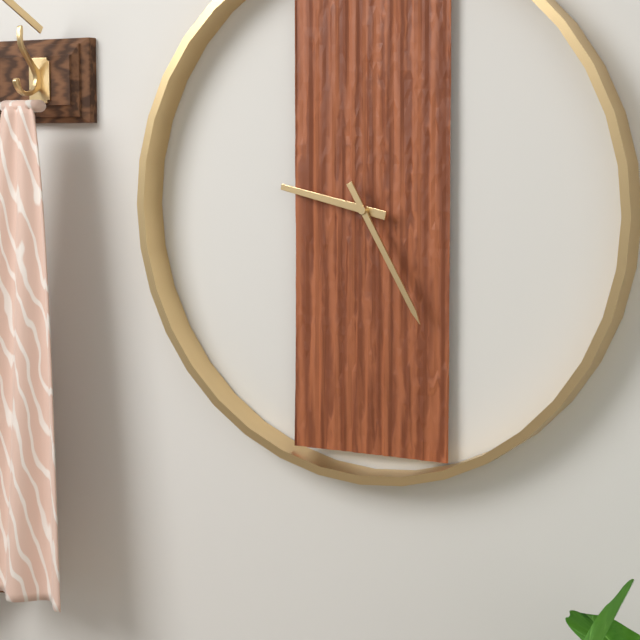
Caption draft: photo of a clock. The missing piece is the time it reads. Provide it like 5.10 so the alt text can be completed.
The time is 9.25
